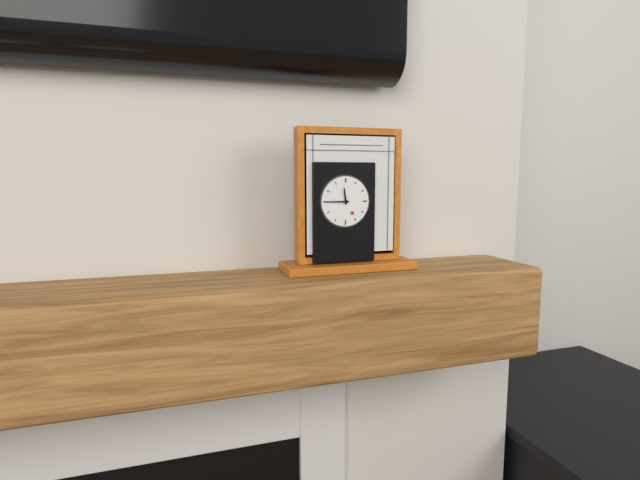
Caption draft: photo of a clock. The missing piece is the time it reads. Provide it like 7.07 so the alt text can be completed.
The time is 11.45
